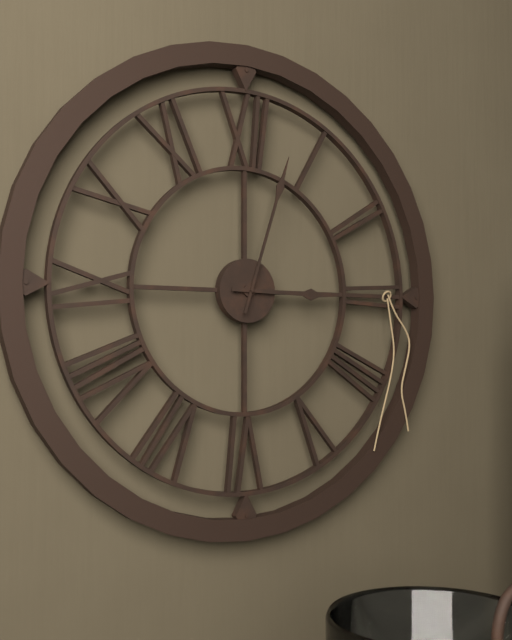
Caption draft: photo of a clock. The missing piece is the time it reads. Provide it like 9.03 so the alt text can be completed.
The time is 3.03
